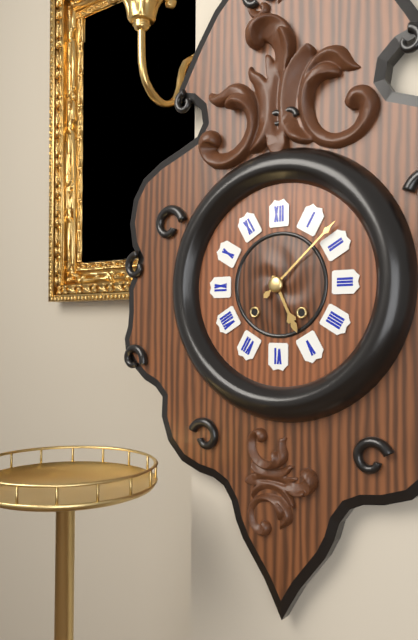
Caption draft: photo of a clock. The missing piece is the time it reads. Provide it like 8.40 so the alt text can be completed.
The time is 5.08
